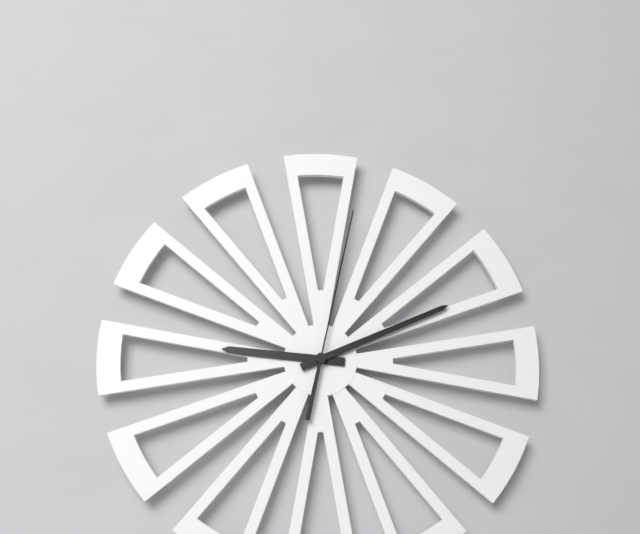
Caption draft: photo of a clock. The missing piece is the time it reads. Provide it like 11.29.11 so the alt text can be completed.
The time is 9.11.02
